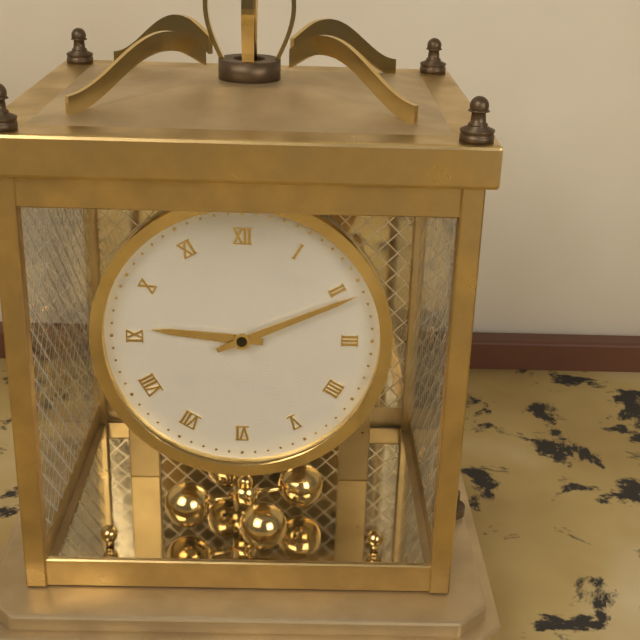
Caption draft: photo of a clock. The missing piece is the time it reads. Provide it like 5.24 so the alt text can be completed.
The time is 9.11
